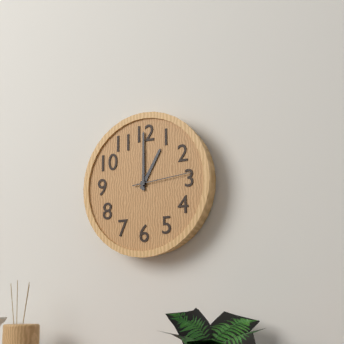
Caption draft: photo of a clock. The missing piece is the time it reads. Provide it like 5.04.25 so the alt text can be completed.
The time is 1.00.14
